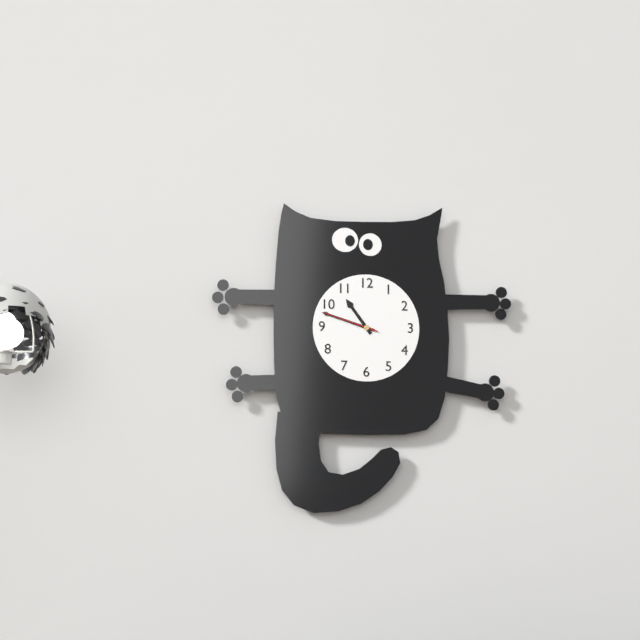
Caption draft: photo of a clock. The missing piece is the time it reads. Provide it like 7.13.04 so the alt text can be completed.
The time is 10.48.48
